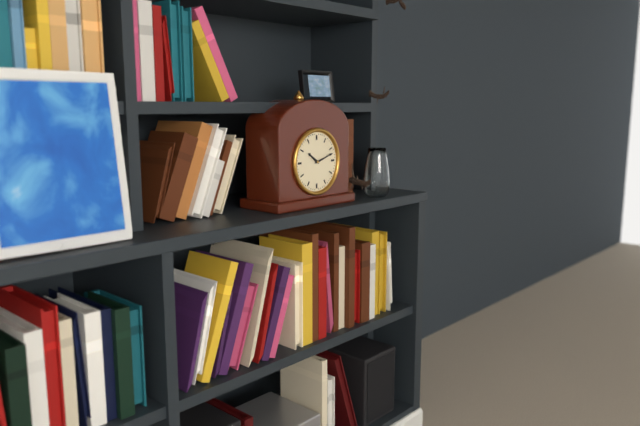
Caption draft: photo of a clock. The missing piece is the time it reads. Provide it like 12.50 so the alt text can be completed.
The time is 10.12
